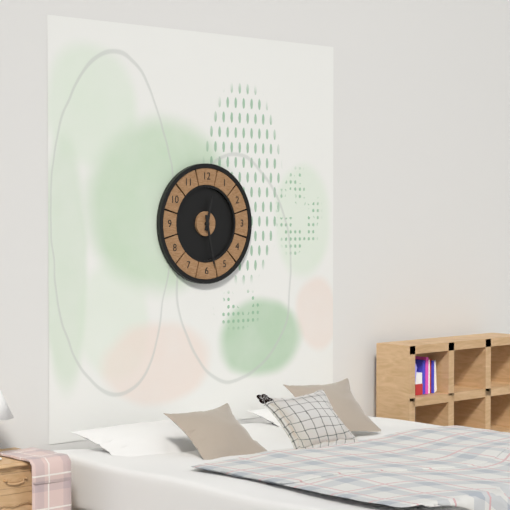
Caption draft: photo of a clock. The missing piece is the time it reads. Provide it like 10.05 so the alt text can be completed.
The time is 12.28
